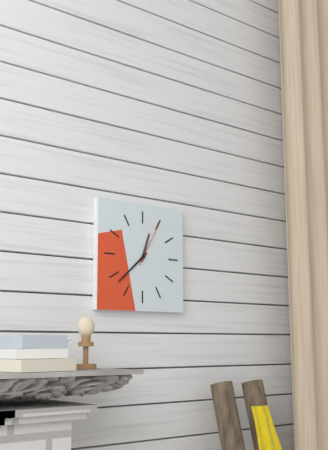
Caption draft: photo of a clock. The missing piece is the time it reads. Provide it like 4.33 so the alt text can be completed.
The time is 12.38
